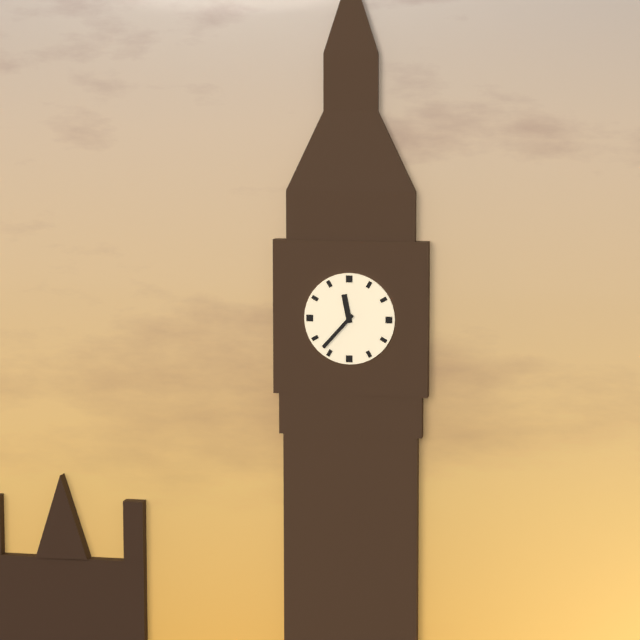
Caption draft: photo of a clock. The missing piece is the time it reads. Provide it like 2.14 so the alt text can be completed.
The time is 11.37
